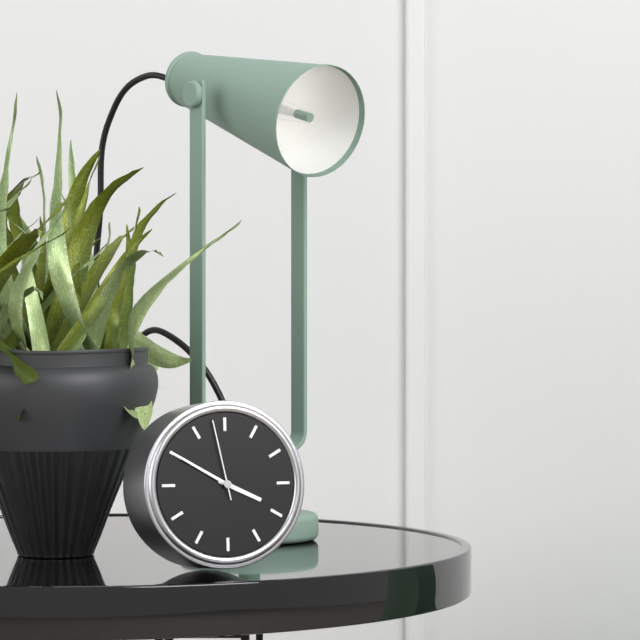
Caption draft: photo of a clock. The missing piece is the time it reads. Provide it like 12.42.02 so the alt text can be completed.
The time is 3.50.58
